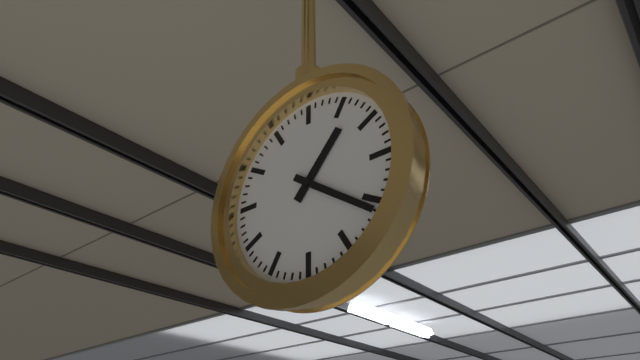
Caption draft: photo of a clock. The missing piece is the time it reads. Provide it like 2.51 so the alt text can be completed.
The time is 1.21
